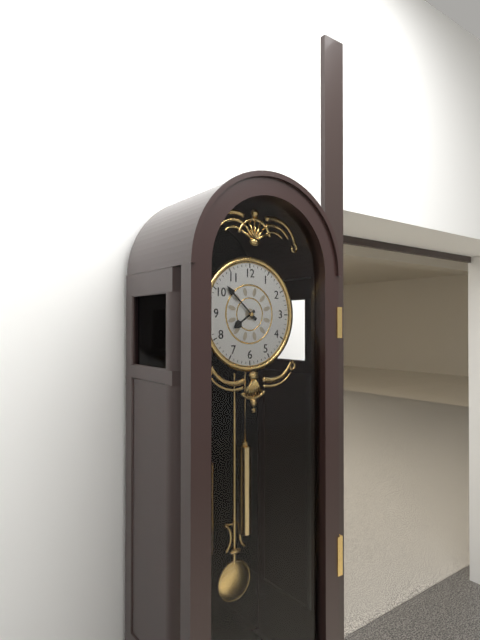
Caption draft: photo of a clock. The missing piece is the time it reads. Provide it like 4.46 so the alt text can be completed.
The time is 7.52
